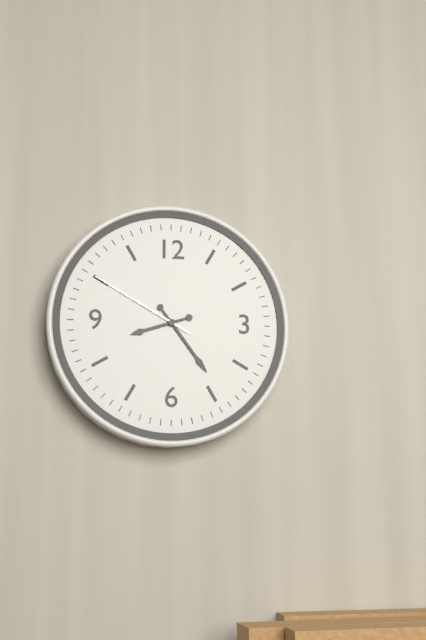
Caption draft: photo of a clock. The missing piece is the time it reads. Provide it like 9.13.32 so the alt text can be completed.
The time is 8.24.50
